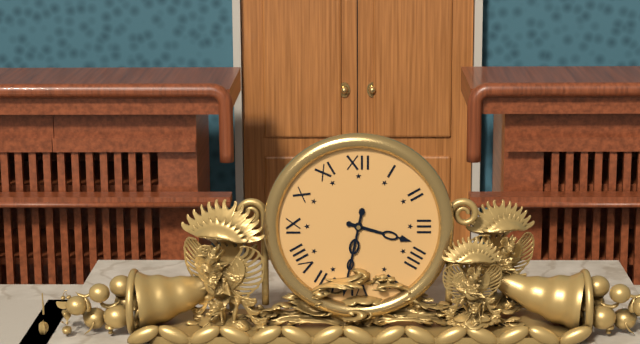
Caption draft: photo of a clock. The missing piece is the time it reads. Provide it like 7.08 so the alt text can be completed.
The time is 3.32
